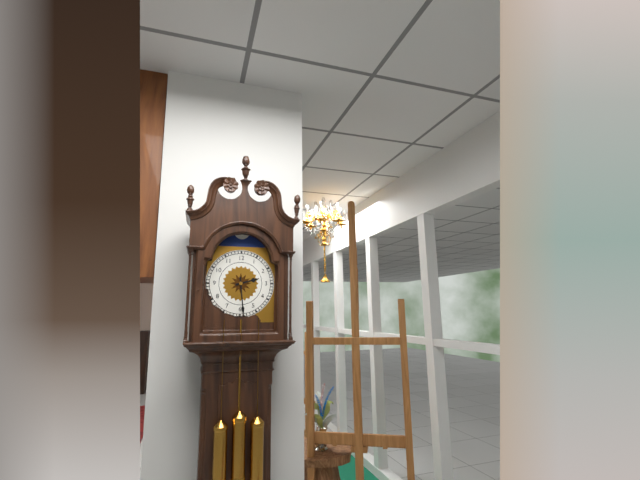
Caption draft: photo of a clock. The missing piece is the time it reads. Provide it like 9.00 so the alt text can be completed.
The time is 2.29
